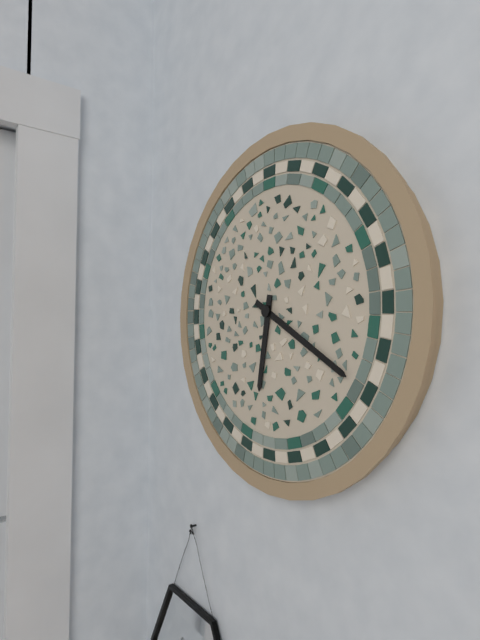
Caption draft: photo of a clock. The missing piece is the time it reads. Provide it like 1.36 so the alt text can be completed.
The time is 6.20
